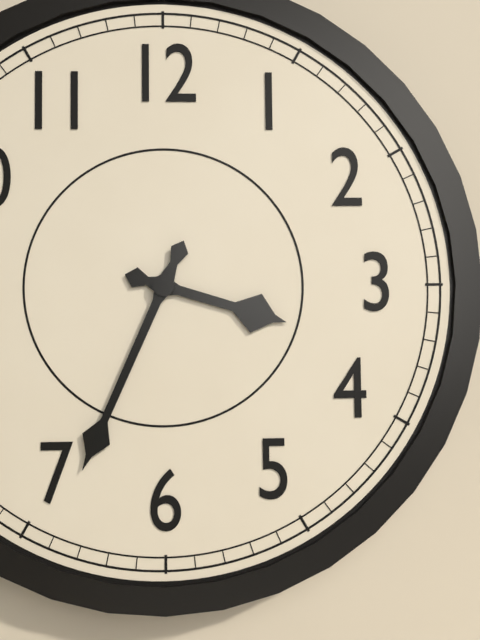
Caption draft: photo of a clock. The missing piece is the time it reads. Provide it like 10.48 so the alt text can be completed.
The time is 3.34
